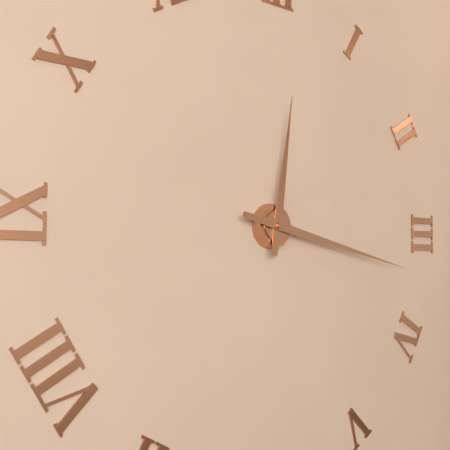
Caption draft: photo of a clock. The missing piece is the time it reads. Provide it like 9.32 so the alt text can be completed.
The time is 12.17
